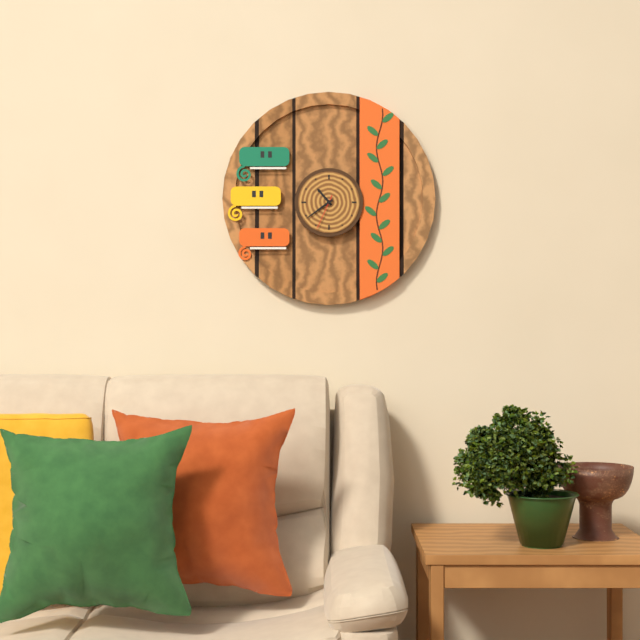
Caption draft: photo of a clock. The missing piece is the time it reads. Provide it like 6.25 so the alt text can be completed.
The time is 10.39
